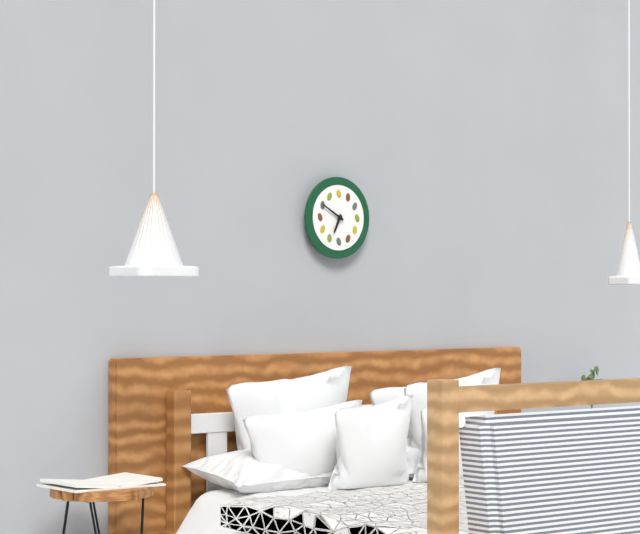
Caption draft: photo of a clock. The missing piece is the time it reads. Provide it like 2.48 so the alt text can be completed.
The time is 6.50
